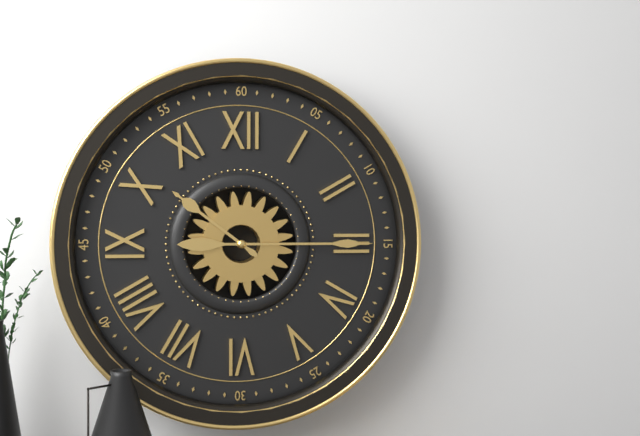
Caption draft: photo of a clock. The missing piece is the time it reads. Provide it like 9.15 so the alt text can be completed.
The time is 10.15
